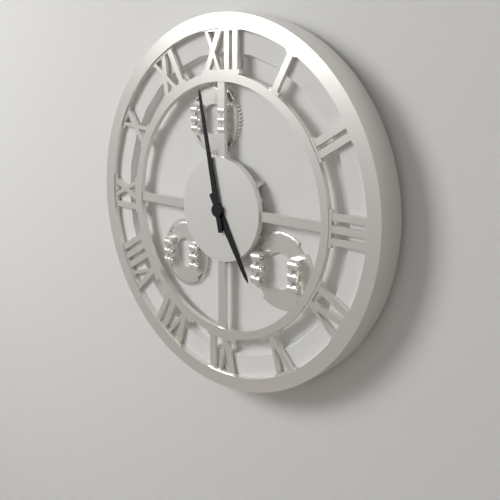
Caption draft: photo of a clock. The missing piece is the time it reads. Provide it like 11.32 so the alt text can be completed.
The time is 4.58
